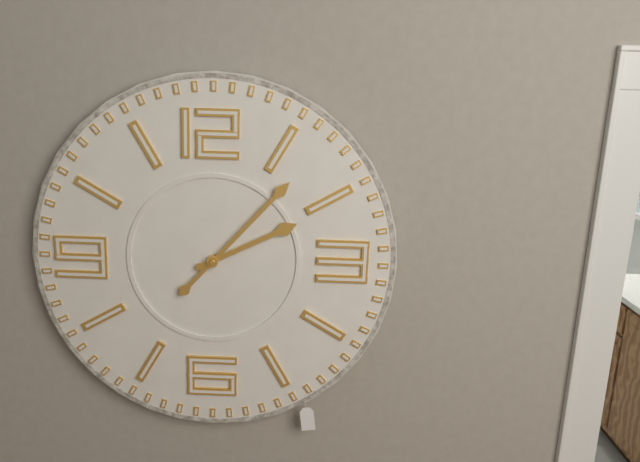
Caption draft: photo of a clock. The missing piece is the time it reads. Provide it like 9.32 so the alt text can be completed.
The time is 2.07
